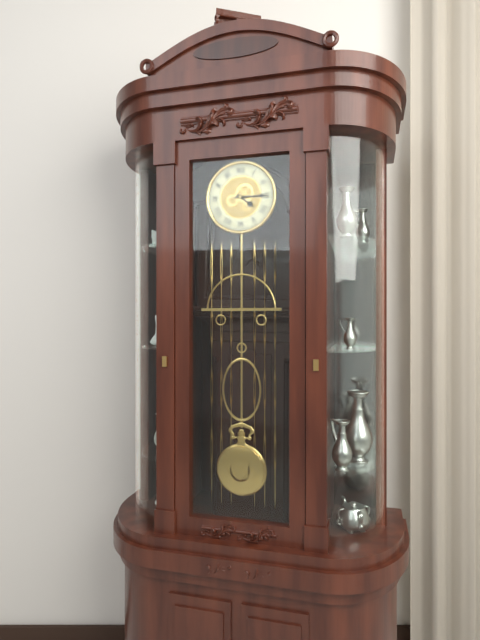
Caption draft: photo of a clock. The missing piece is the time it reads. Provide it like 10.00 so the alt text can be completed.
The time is 4.15
